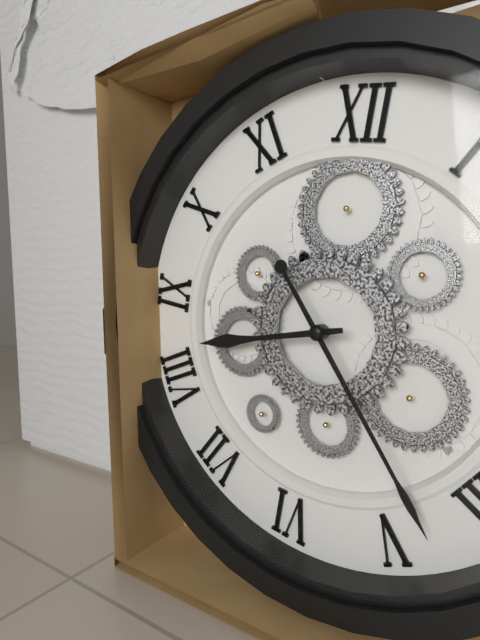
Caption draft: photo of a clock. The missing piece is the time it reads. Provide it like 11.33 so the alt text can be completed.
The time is 8.23
